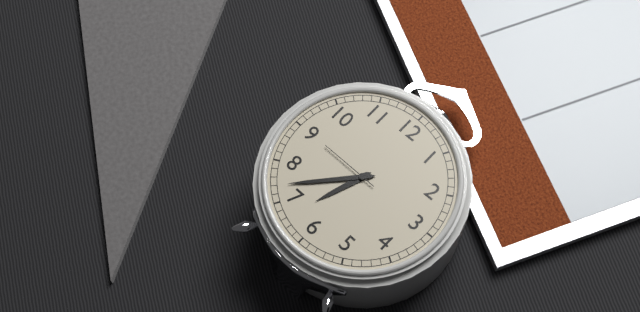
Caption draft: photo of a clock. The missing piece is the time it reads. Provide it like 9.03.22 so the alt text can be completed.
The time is 6.37.45
